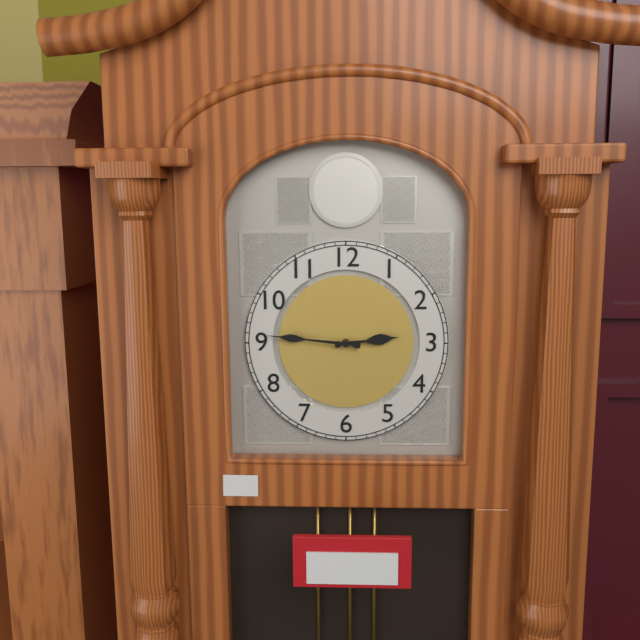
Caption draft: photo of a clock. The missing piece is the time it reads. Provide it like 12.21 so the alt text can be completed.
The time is 2.46
